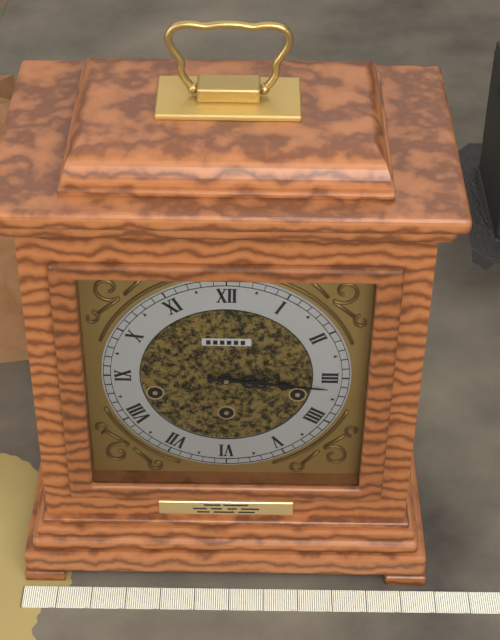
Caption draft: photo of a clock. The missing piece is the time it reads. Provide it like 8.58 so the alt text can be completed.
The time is 3.16
